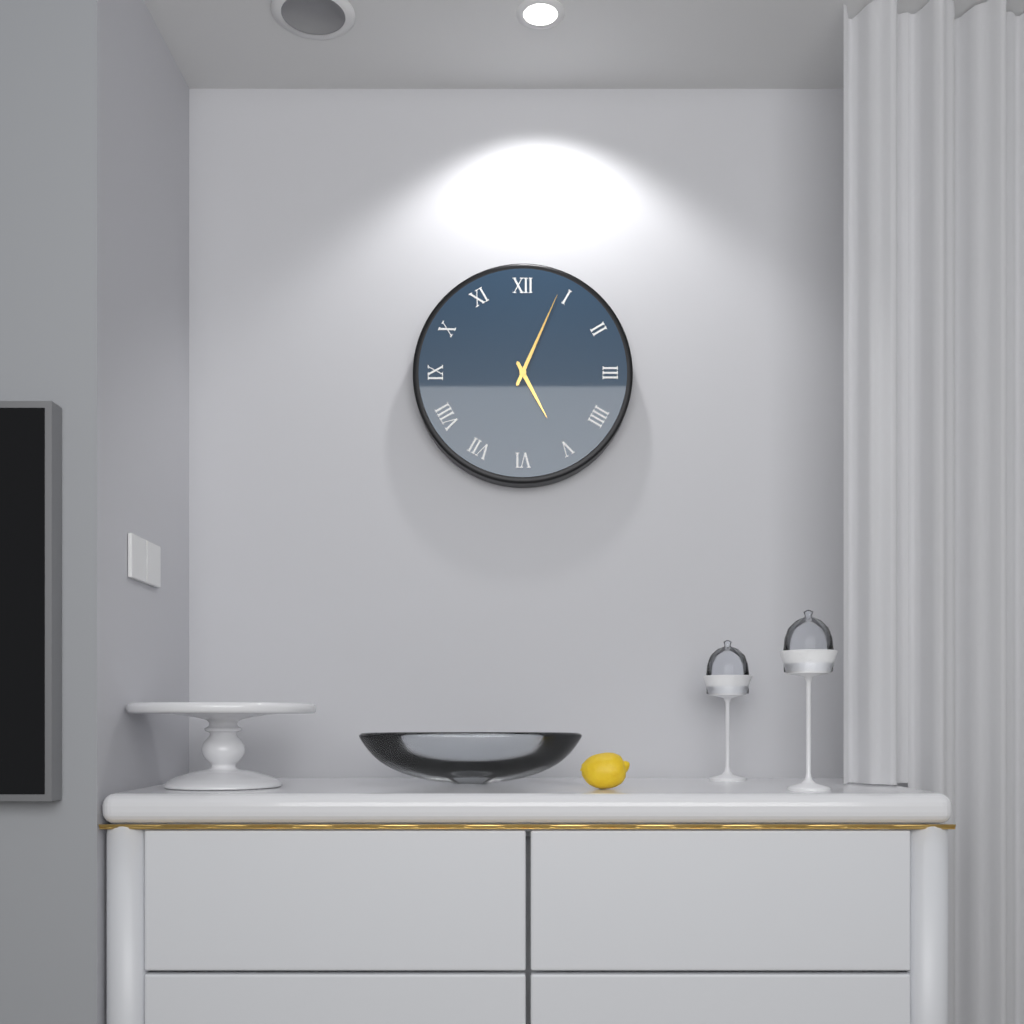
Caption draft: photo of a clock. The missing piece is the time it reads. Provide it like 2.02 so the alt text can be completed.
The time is 5.04
